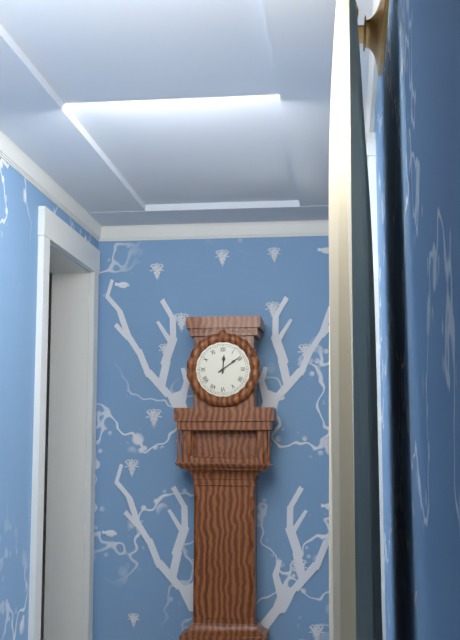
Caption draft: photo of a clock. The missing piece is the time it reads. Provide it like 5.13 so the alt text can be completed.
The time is 12.09
